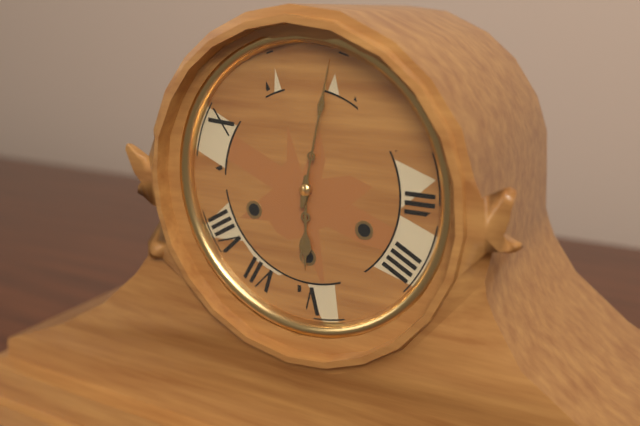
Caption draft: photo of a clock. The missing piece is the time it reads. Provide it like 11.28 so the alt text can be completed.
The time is 6.02
